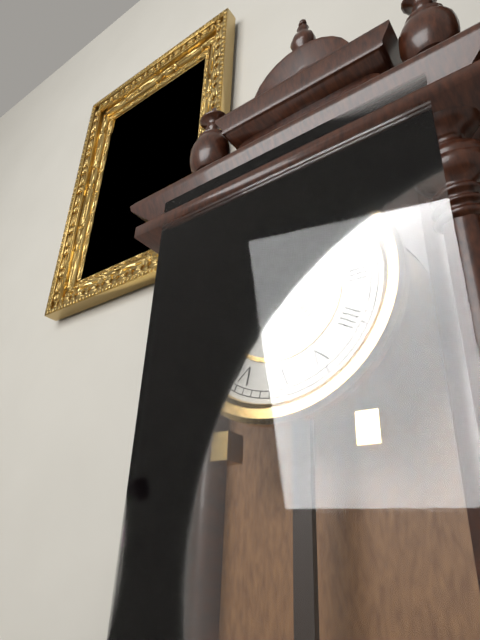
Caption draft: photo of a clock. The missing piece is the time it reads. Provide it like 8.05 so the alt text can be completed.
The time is 12.58
